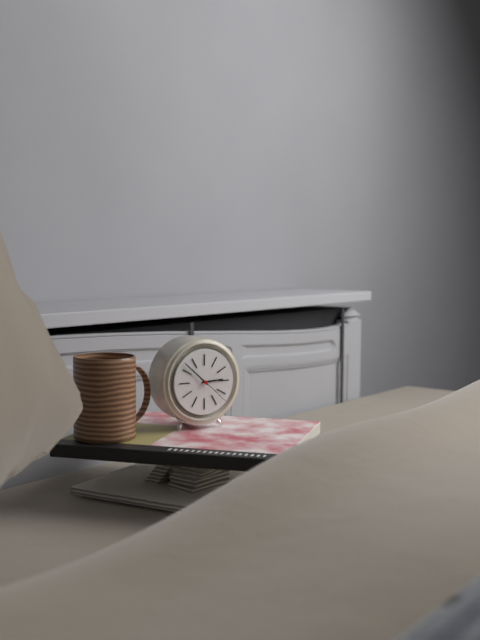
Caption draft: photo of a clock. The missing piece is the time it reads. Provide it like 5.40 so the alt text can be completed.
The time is 2.52
